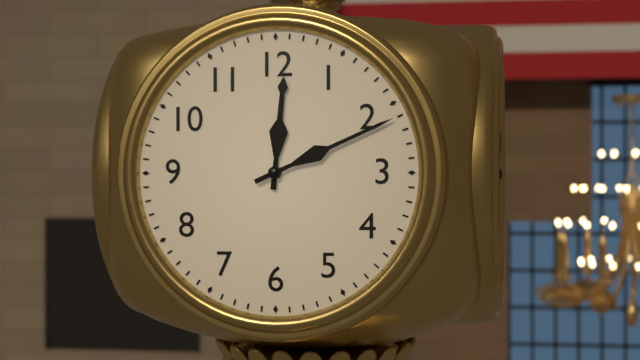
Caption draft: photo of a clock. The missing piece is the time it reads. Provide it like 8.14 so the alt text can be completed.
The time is 12.11
